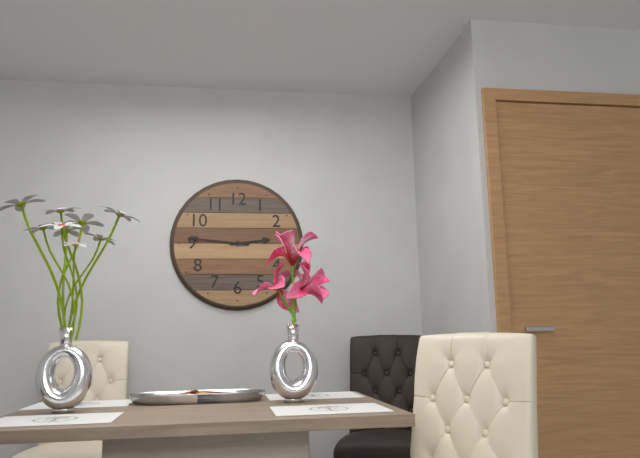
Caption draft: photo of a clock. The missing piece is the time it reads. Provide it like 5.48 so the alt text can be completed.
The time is 2.46
